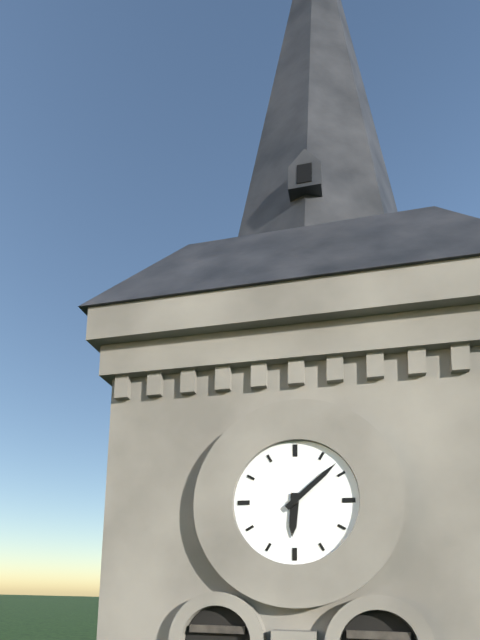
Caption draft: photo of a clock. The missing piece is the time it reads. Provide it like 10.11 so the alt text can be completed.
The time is 6.08
